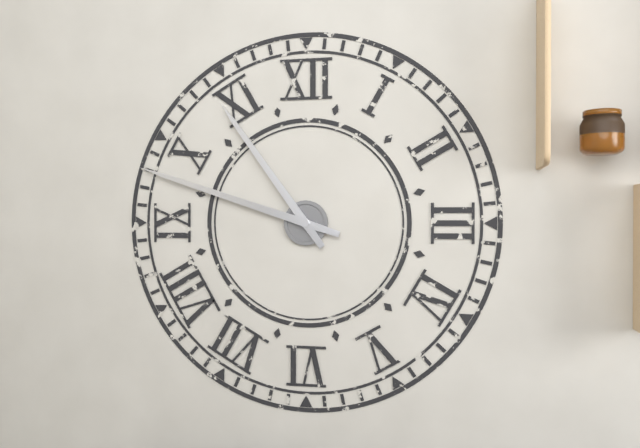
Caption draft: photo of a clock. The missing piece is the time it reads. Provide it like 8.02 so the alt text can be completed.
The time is 10.48
